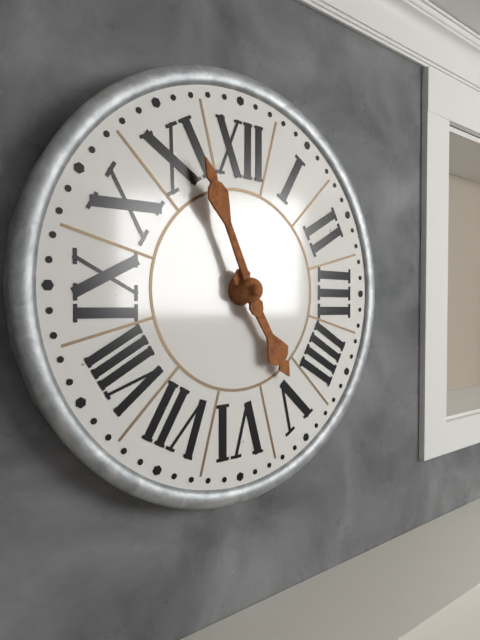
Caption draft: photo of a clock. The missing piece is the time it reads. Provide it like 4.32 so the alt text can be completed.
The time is 4.56
